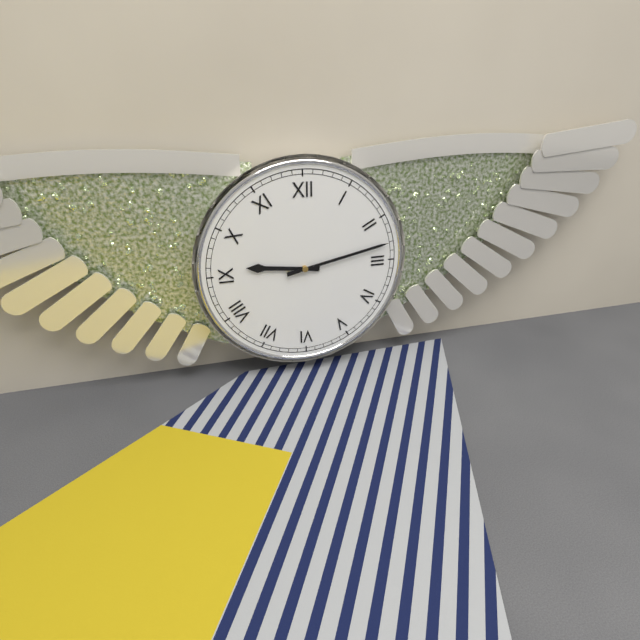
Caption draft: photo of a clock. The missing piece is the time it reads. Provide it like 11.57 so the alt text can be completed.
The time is 9.13
